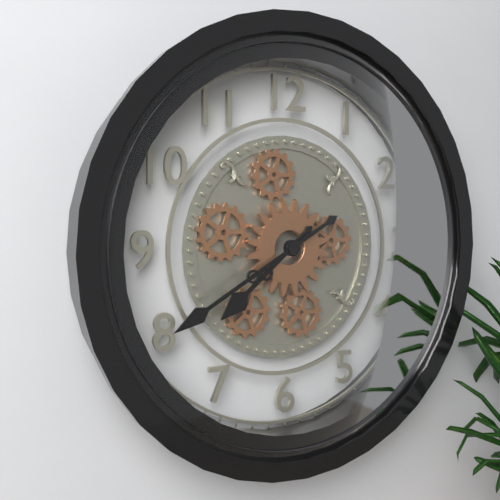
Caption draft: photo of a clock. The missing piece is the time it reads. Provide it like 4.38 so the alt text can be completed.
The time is 7.40
